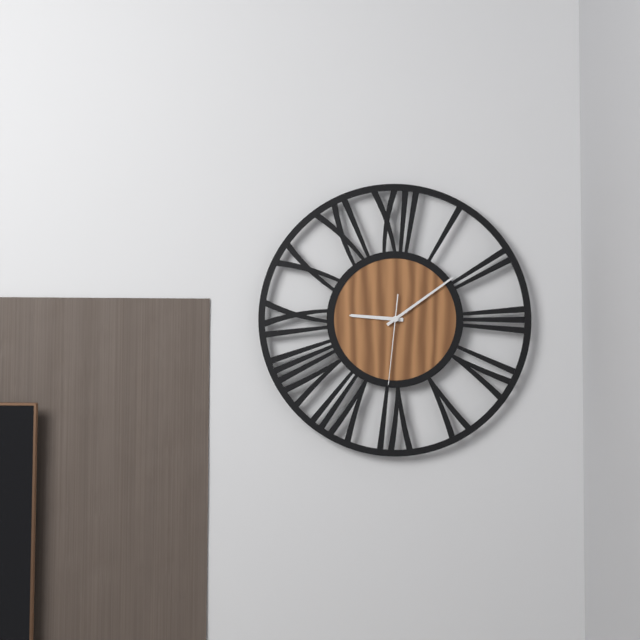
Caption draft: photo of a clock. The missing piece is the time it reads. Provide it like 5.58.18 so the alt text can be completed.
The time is 9.09.31
